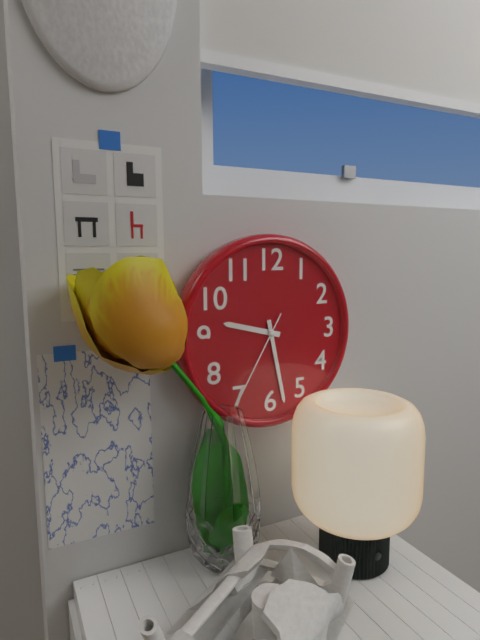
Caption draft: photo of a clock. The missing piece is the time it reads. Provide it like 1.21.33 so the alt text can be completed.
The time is 9.28.35
